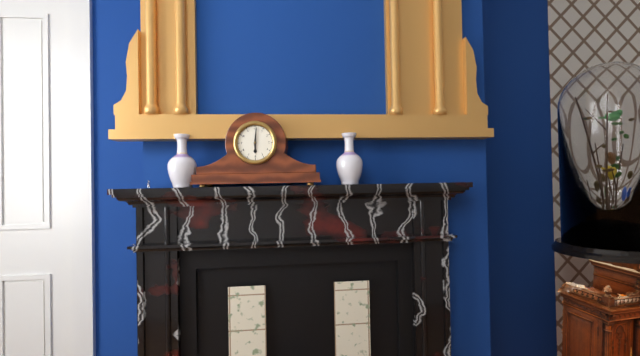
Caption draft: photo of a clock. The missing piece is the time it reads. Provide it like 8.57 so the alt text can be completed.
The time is 6.01
